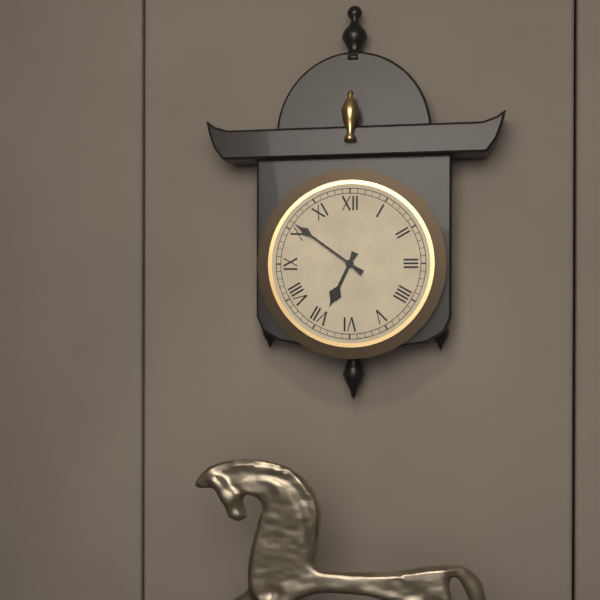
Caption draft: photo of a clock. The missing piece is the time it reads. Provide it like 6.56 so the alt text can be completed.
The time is 6.51
